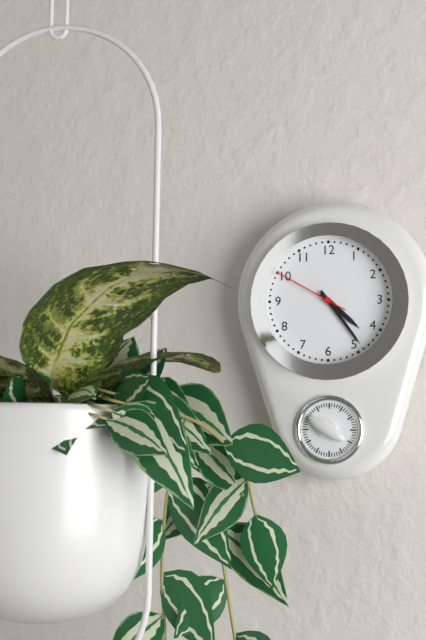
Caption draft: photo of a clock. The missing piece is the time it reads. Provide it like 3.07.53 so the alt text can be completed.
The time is 4.24.50
